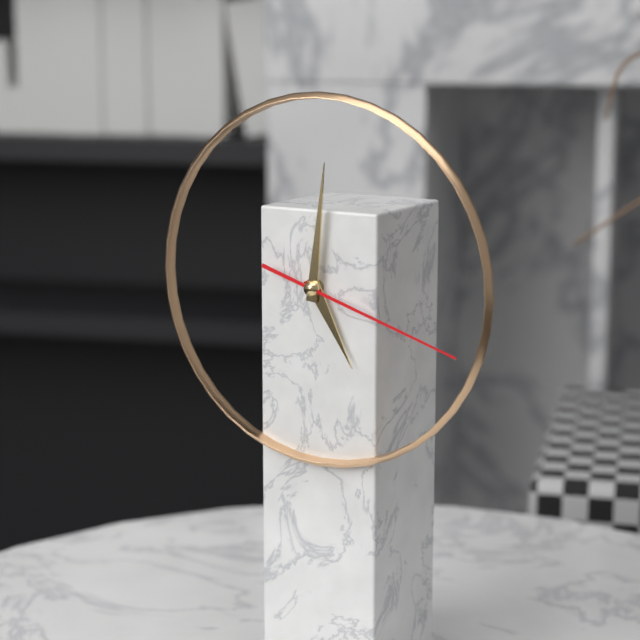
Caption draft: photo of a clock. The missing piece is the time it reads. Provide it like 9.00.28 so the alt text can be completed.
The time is 5.01.18
